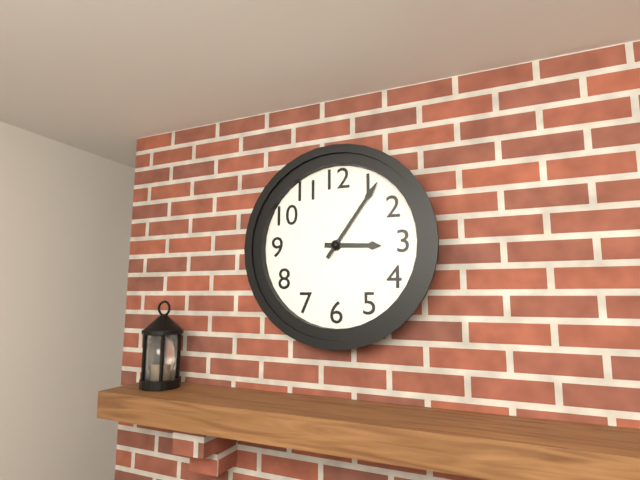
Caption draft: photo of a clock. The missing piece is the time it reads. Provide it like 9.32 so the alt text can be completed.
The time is 3.06
